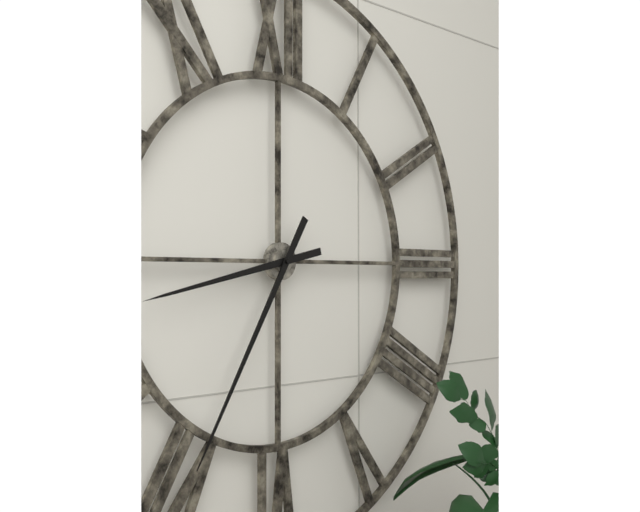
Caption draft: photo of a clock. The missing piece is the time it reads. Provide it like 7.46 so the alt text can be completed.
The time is 8.35
